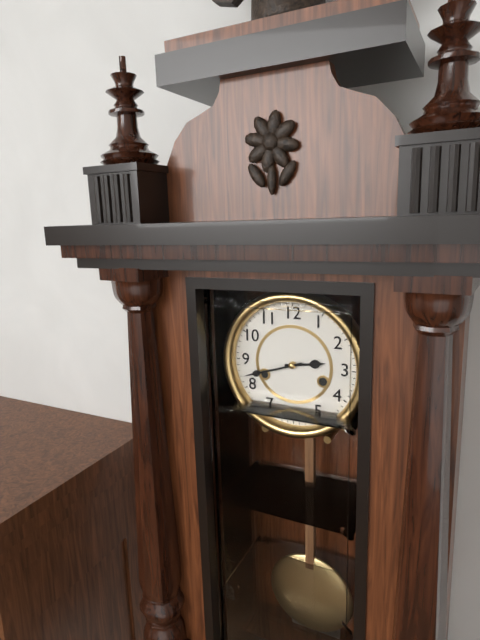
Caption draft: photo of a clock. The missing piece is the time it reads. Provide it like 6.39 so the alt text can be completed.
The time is 2.42
